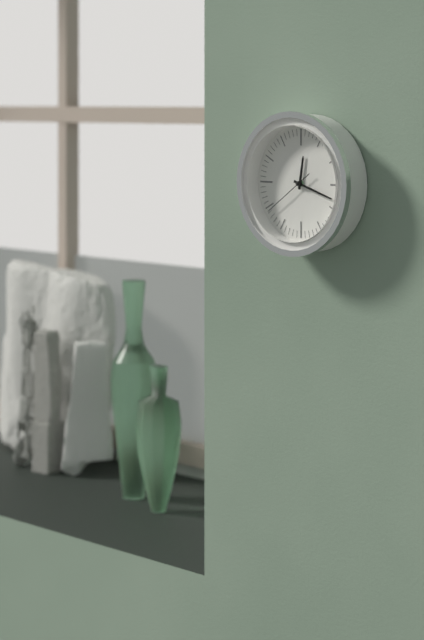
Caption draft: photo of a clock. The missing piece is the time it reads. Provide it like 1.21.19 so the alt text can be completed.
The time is 12.18.39
